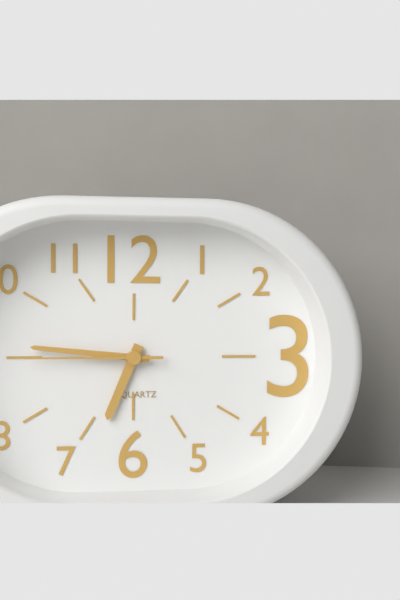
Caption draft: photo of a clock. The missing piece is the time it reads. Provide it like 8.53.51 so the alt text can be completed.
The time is 6.46.45
